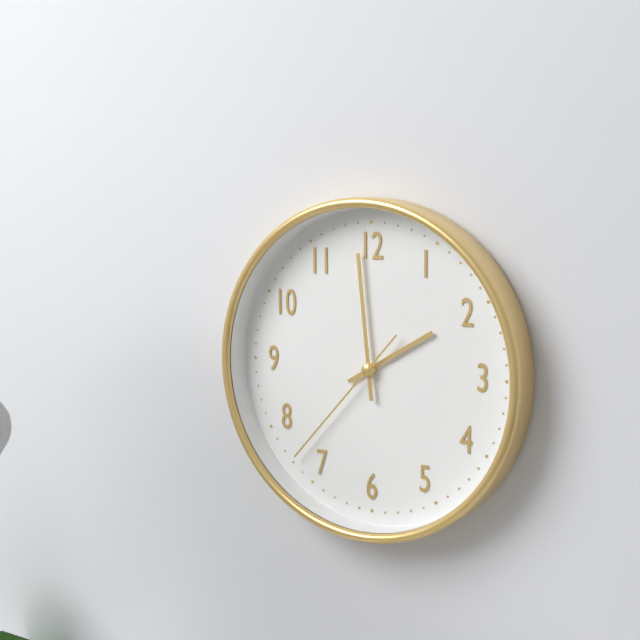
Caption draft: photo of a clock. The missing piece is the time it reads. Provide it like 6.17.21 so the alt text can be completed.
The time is 1.59.37
